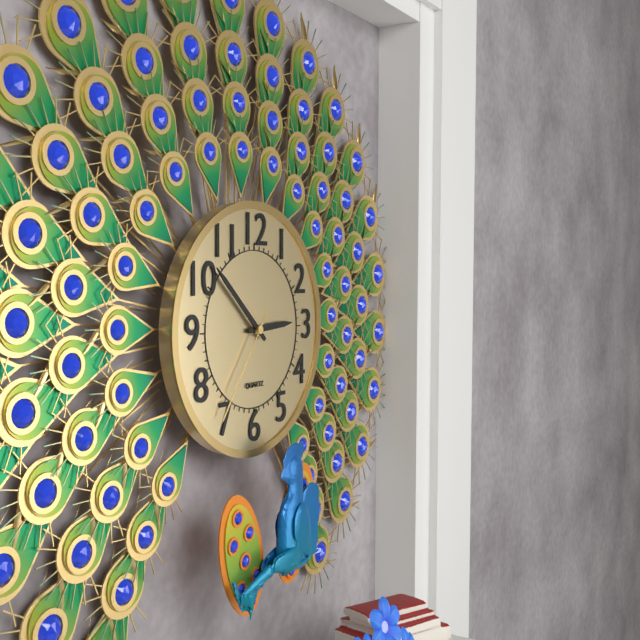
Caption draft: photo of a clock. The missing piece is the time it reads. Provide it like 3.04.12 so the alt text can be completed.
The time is 2.52.36
